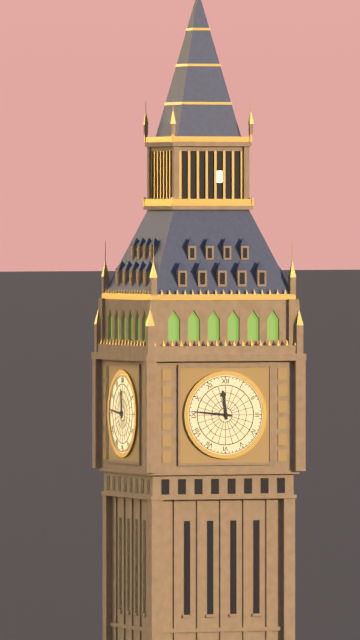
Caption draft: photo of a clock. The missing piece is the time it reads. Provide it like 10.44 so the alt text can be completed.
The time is 11.46
